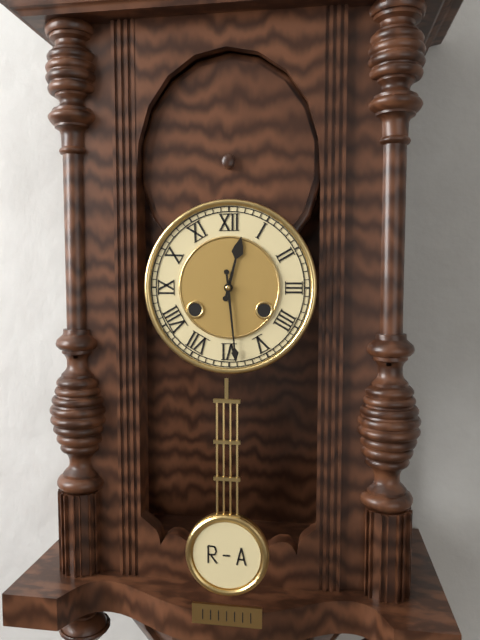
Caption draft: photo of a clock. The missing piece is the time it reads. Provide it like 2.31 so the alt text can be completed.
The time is 12.29
